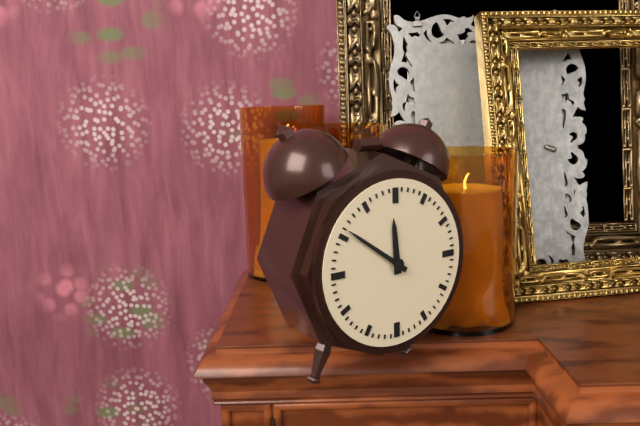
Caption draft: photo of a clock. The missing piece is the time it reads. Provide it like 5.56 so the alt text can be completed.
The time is 11.51
